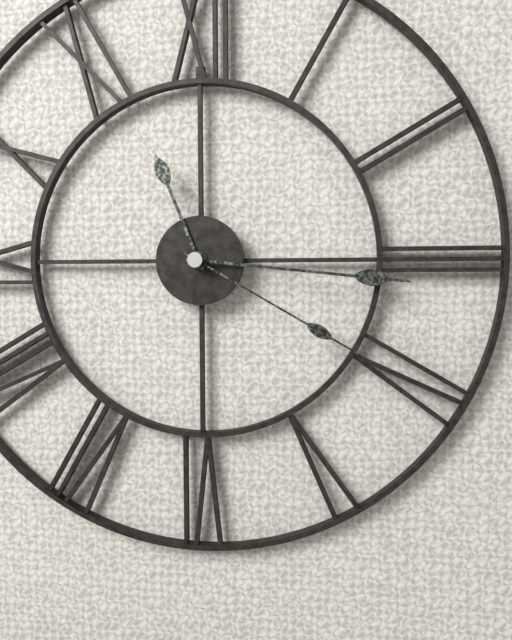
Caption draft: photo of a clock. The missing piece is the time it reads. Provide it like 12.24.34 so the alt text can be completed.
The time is 11.16.20
